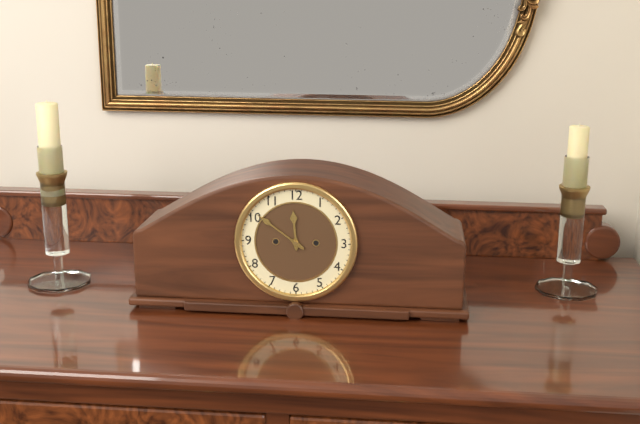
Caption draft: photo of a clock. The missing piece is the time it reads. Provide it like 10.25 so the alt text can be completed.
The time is 11.51
